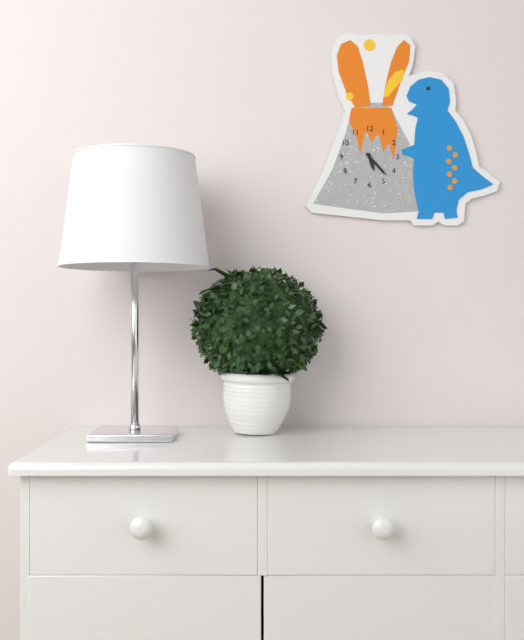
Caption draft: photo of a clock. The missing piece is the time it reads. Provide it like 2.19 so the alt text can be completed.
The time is 5.23
